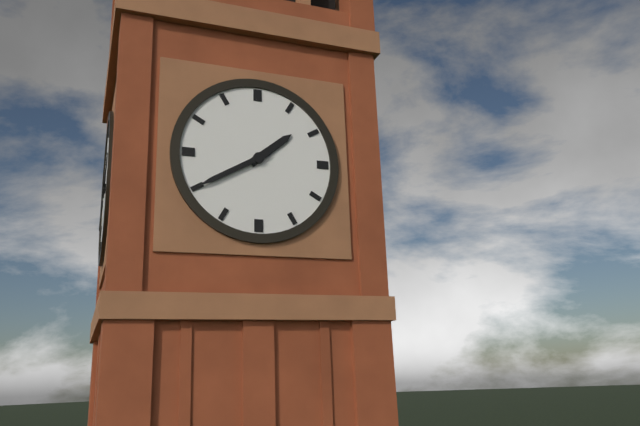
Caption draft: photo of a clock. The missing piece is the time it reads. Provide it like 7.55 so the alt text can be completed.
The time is 1.40
